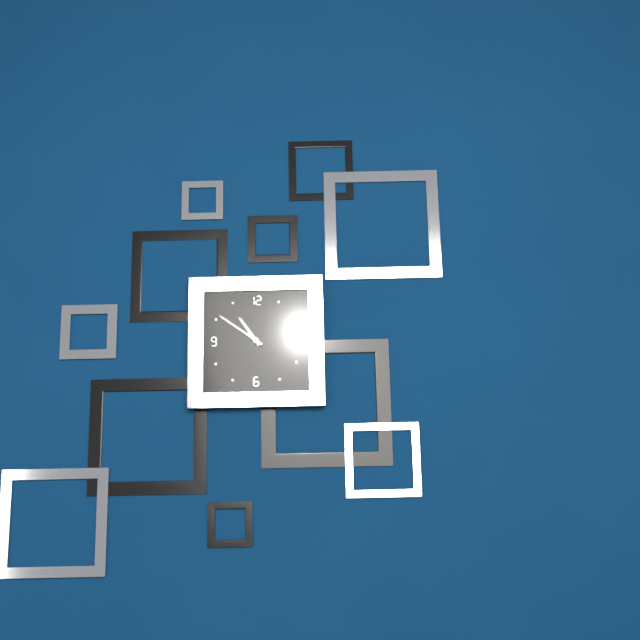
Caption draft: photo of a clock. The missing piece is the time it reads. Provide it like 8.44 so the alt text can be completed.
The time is 10.51
